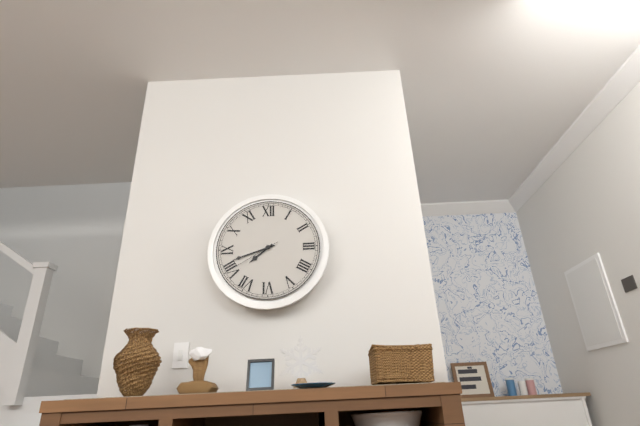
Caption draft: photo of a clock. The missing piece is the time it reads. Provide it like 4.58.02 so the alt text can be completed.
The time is 7.42.40
